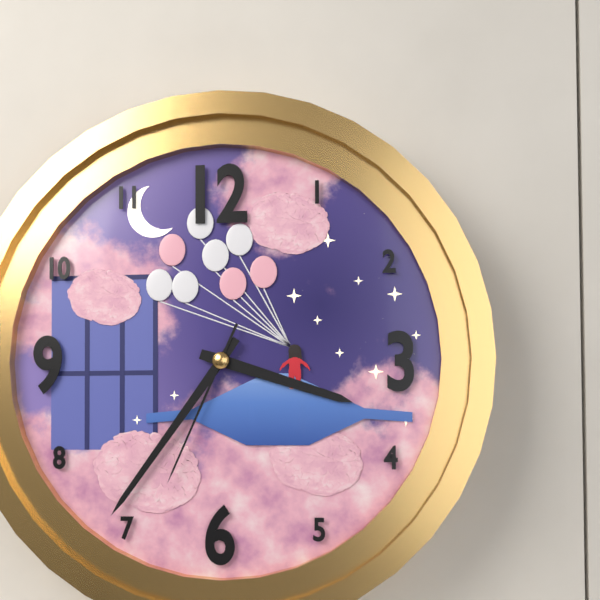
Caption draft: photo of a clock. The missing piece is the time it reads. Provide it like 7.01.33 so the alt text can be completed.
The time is 3.36.34
